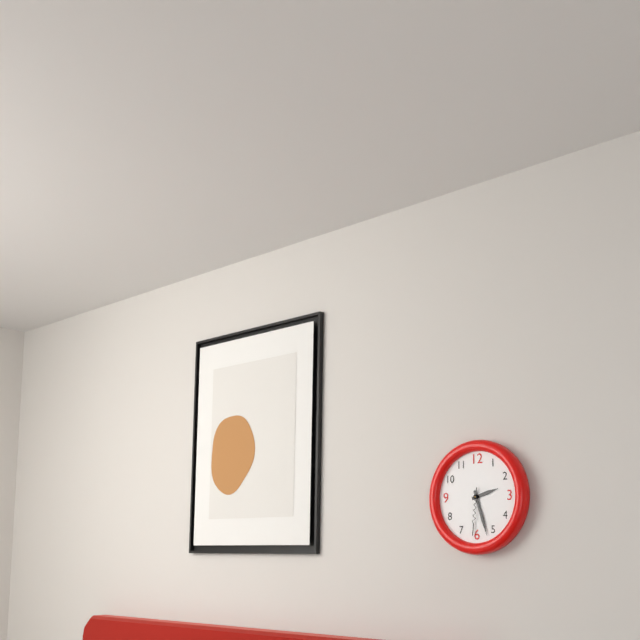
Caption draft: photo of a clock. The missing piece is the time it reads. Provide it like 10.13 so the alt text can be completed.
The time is 2.27
